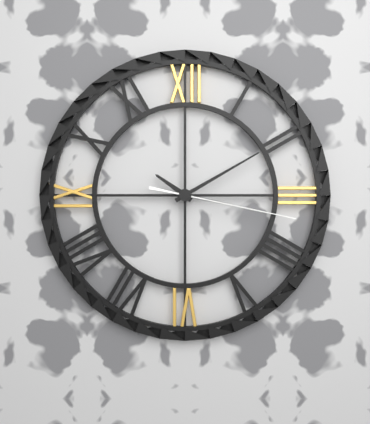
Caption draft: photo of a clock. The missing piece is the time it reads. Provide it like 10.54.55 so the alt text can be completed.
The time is 10.10.17
